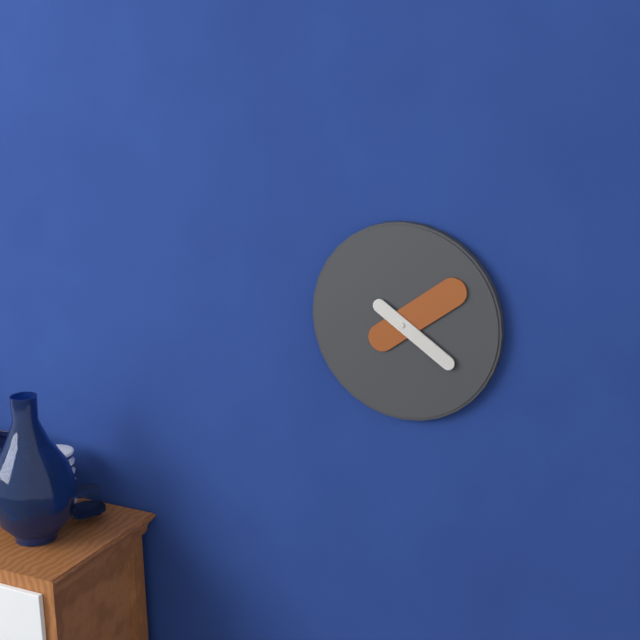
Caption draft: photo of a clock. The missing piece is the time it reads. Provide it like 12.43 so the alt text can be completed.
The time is 4.09
